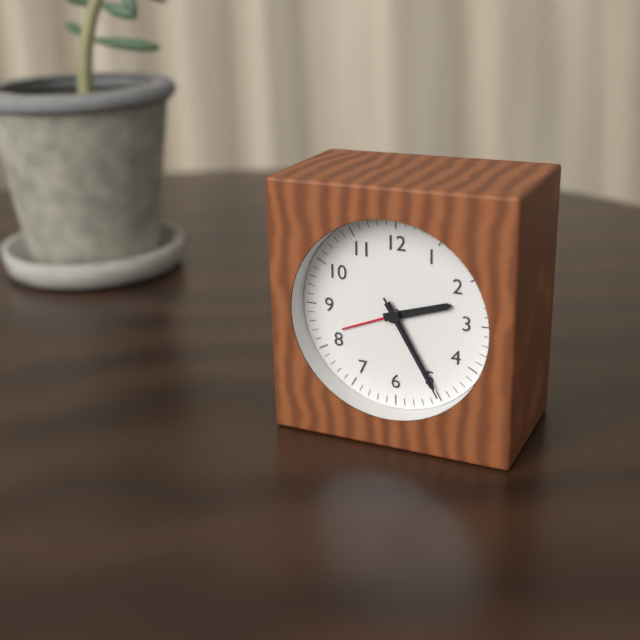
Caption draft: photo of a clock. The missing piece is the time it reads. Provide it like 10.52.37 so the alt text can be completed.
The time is 2.25.25
